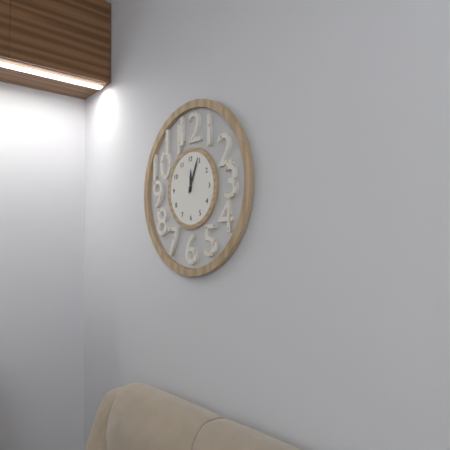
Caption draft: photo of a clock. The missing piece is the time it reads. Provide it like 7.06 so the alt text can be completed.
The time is 12.04
